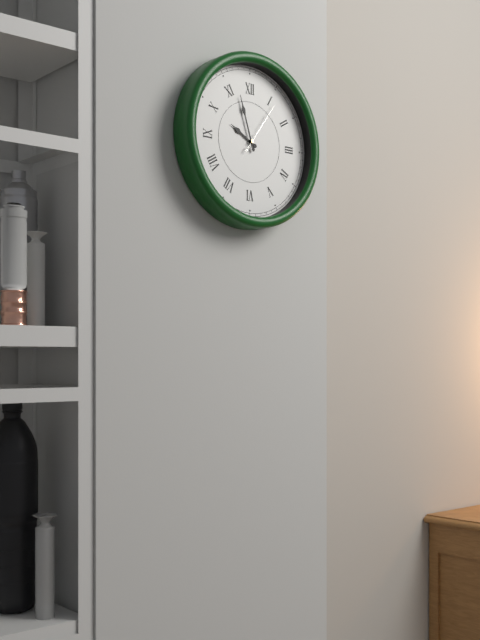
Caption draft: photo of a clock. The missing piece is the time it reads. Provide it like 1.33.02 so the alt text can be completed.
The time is 9.57.06
